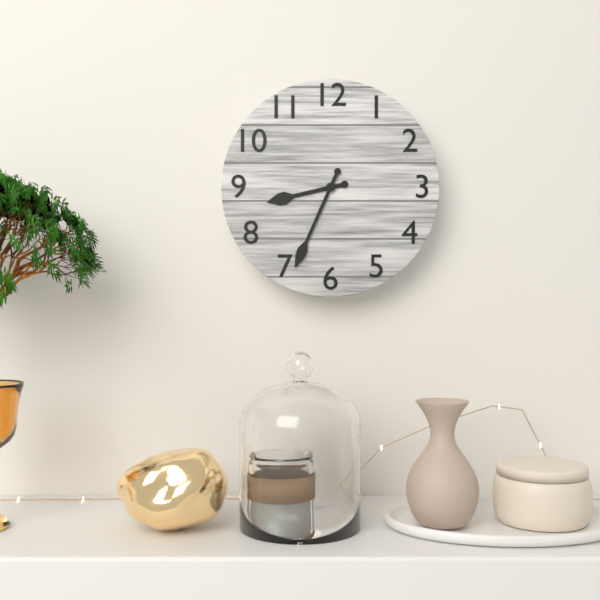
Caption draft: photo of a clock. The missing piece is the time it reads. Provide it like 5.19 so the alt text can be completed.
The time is 8.34
